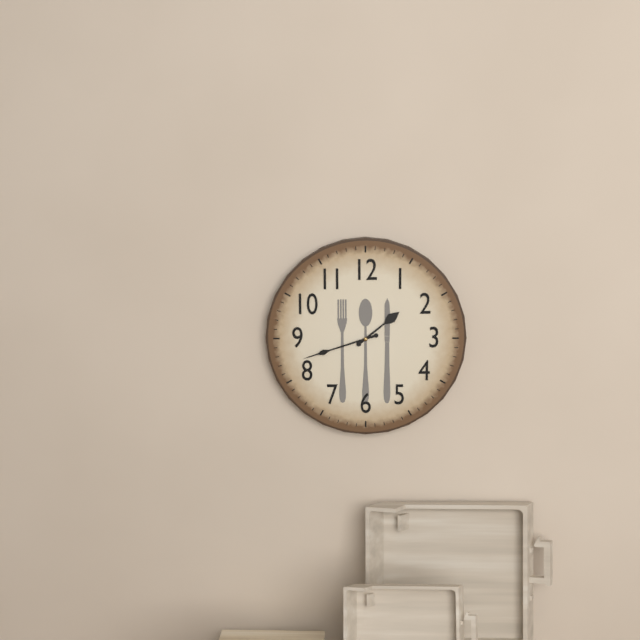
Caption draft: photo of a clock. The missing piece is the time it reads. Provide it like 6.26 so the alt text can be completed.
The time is 1.42
